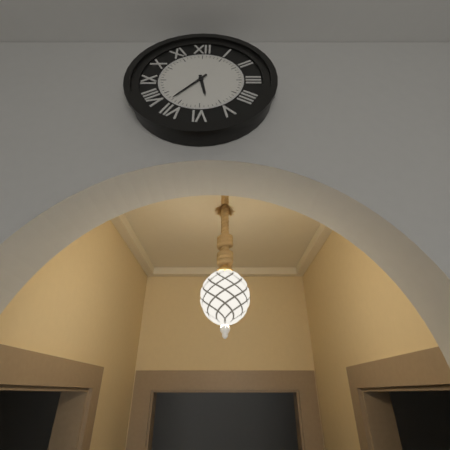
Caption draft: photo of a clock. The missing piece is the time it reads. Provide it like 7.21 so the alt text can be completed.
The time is 5.37
